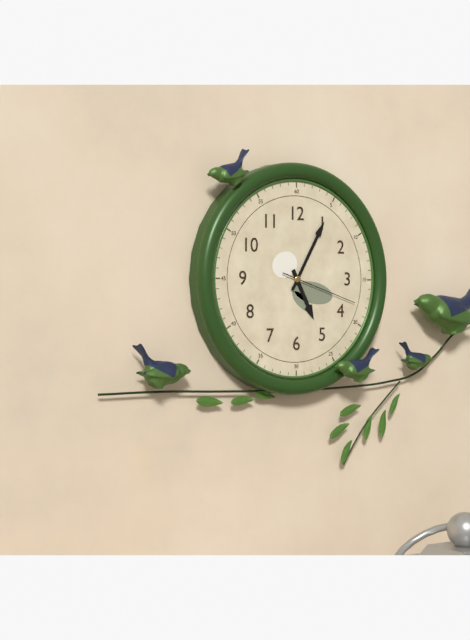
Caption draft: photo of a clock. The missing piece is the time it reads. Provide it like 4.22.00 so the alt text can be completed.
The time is 5.05.18
